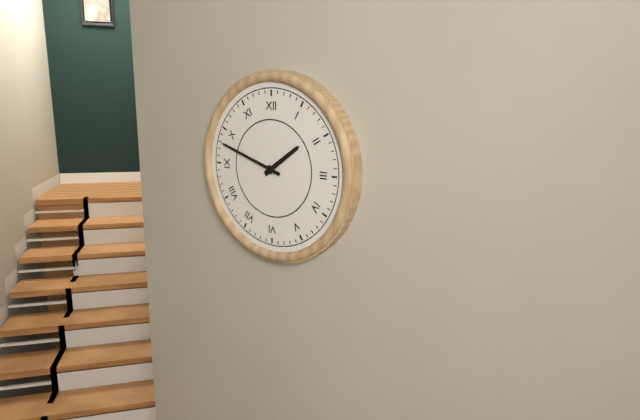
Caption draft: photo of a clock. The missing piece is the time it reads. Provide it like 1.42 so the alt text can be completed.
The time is 1.48
